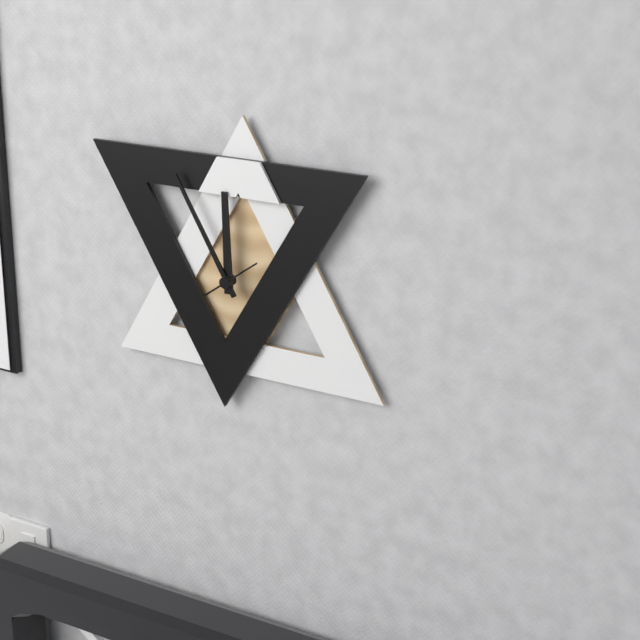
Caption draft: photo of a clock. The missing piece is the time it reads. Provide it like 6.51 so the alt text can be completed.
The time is 11.55
